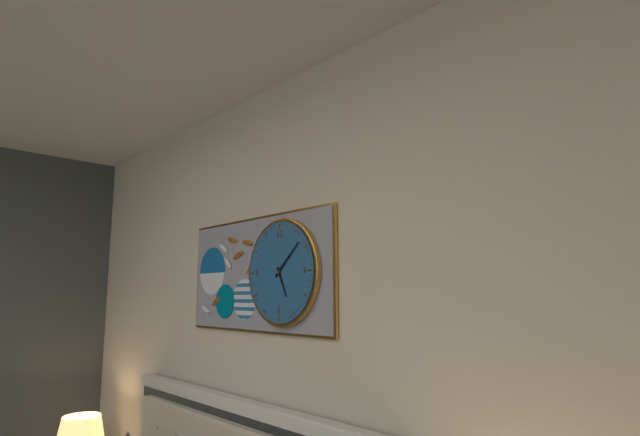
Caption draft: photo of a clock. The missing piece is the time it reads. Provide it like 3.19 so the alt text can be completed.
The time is 5.08
